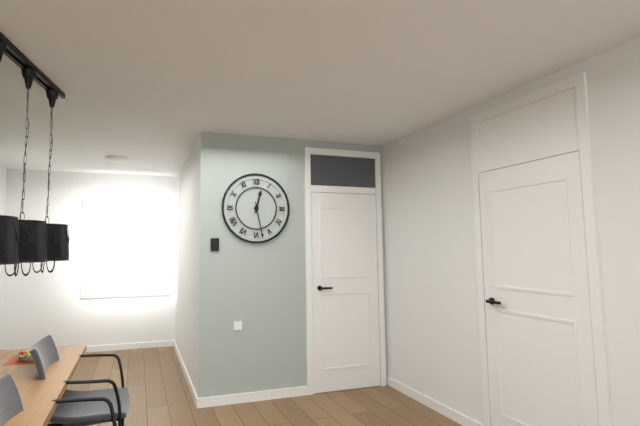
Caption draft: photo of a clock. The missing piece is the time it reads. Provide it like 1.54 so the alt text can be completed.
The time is 12.28
